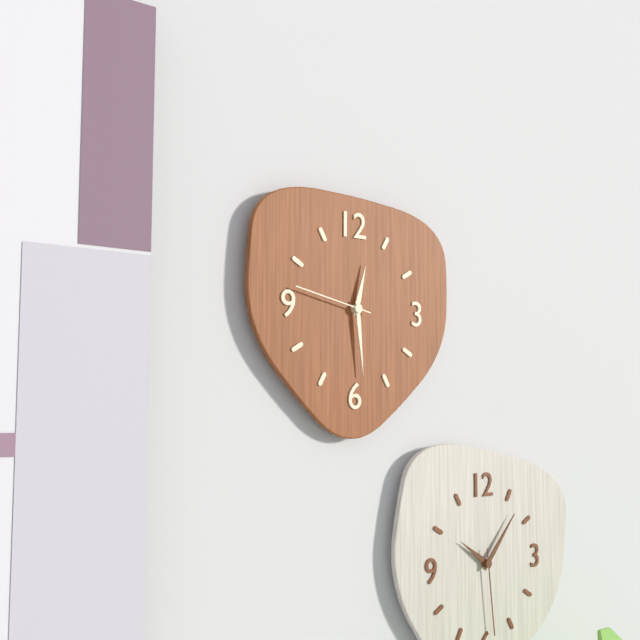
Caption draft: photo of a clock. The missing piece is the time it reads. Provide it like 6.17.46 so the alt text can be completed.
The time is 12.29.47
